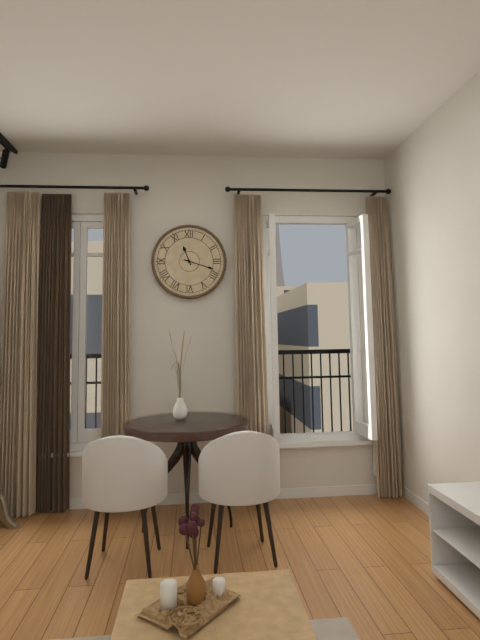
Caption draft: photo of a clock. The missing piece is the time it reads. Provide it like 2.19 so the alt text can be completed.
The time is 11.18
